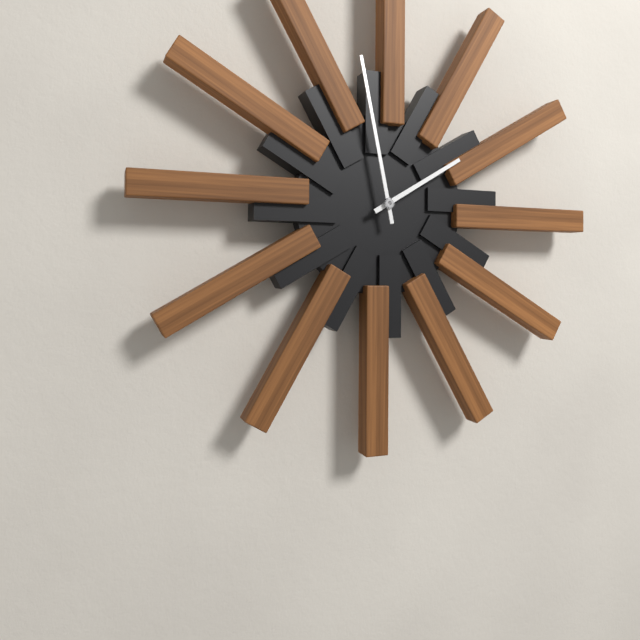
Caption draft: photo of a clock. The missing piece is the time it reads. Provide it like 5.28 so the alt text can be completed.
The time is 1.58
